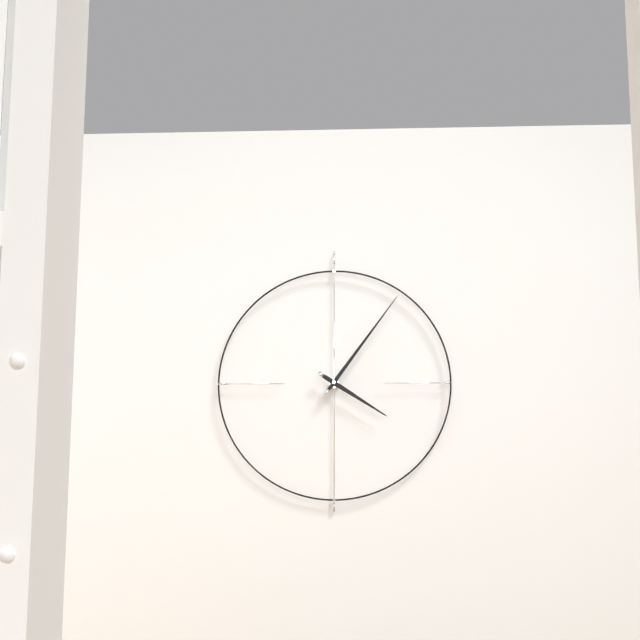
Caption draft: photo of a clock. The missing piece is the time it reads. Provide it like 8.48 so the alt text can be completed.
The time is 4.06
